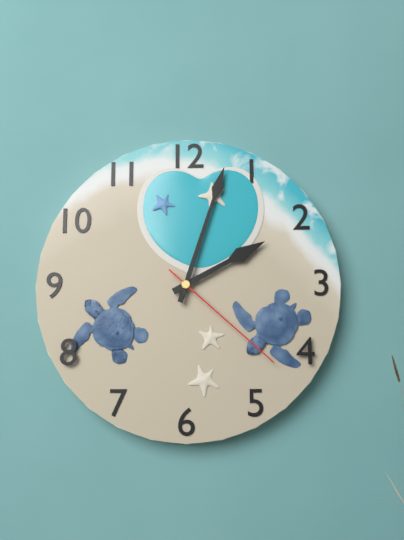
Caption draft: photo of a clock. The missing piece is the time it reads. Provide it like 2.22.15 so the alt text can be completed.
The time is 2.03.22
